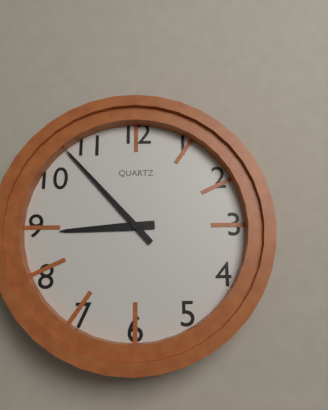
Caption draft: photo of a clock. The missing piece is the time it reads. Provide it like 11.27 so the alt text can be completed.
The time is 8.53
